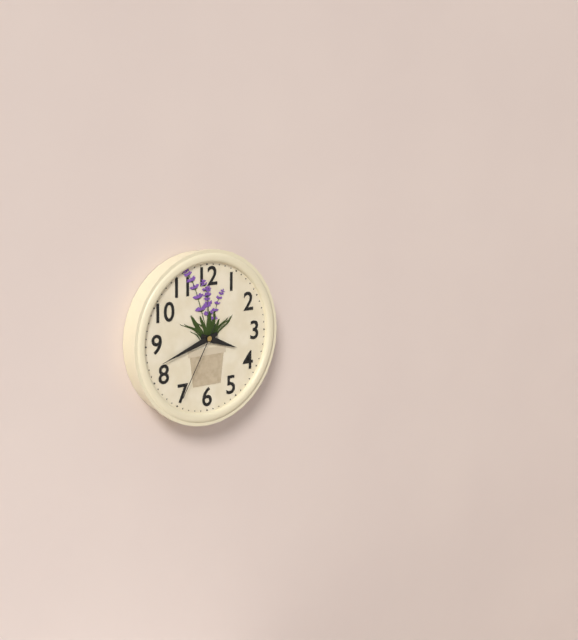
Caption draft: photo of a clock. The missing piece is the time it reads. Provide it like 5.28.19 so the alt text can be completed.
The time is 3.42.35
